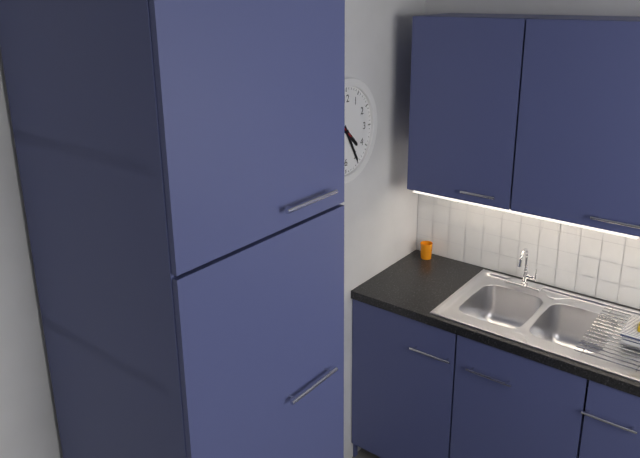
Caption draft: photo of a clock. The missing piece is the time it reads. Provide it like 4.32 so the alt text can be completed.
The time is 4.25
